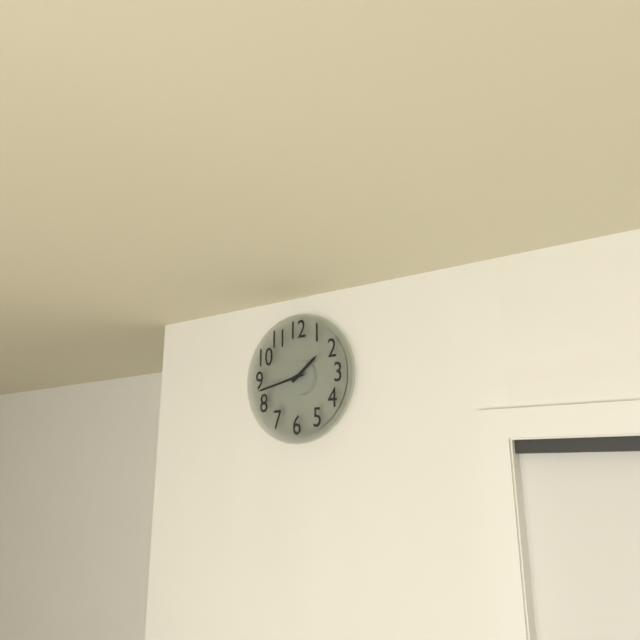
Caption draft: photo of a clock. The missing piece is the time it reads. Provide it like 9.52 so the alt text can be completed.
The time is 1.43
